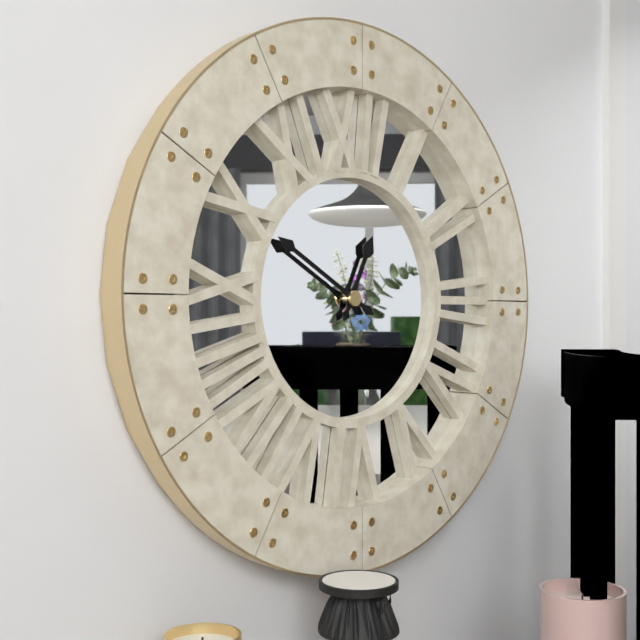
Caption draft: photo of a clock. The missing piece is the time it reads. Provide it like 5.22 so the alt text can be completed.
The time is 12.50
